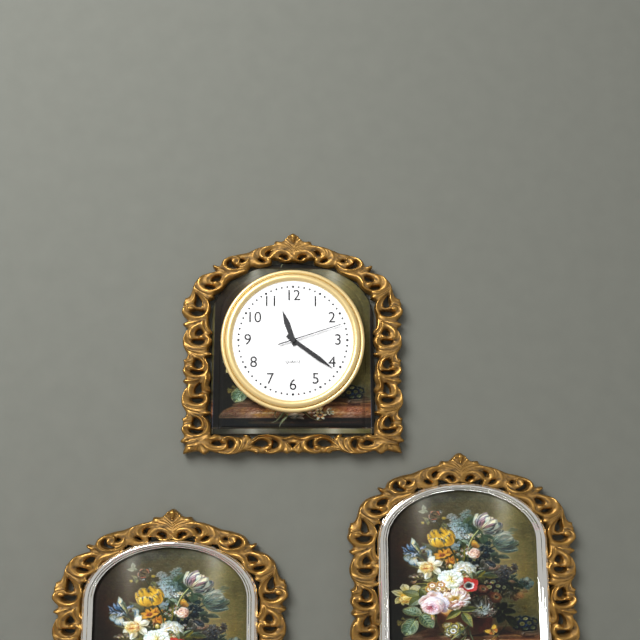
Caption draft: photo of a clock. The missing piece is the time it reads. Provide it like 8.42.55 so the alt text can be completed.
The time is 11.21.12
